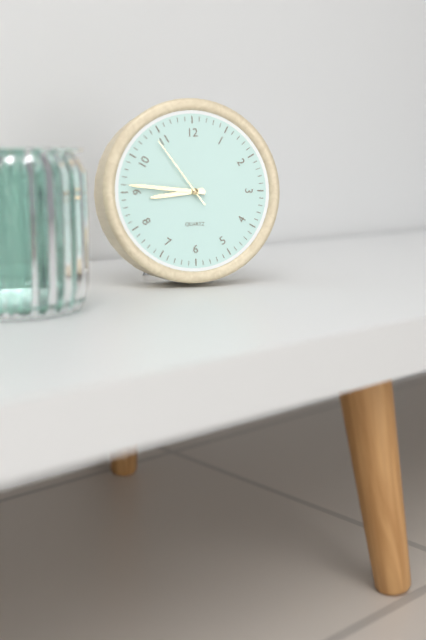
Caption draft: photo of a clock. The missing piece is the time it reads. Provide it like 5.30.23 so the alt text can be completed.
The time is 8.46.54
